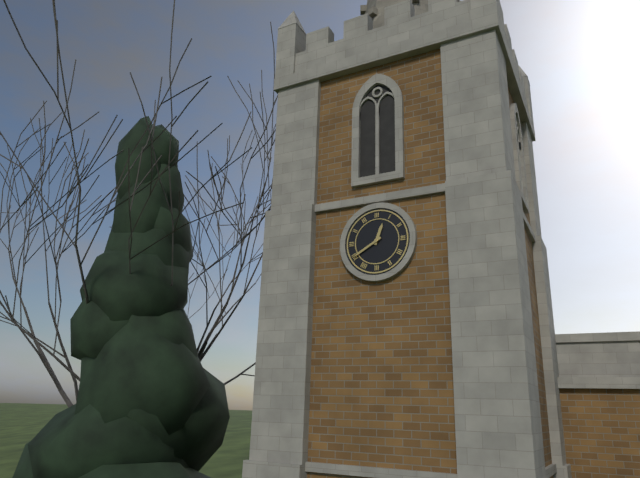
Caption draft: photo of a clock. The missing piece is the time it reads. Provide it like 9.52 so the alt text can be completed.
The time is 12.40
